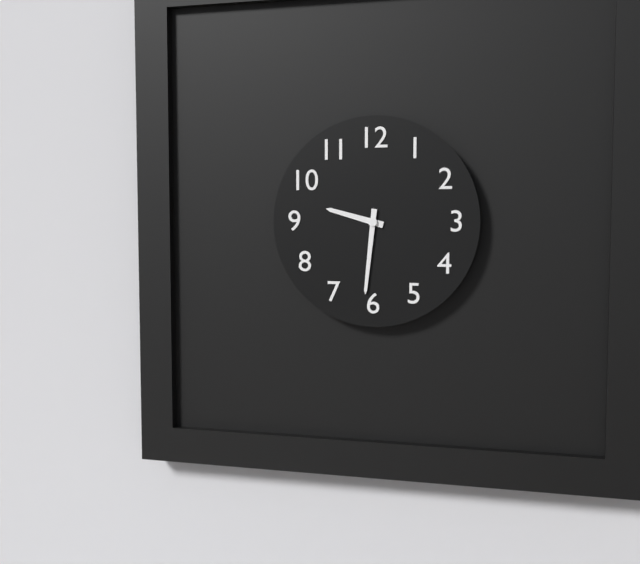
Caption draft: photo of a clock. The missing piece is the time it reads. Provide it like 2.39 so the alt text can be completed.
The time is 9.31
